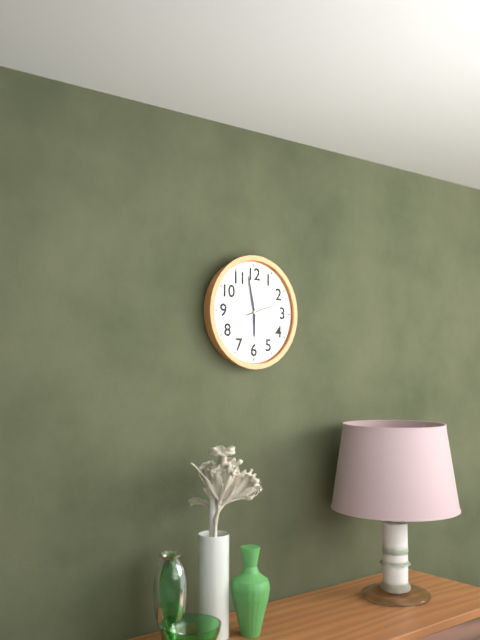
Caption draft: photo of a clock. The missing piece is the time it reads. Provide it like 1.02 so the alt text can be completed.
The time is 5.58
